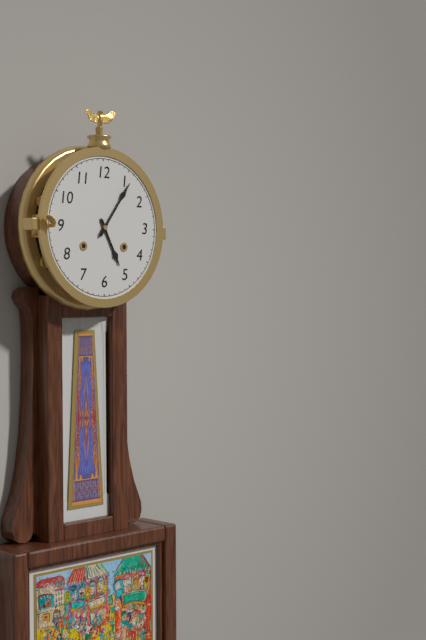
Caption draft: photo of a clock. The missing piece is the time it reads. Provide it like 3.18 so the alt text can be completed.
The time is 5.06
